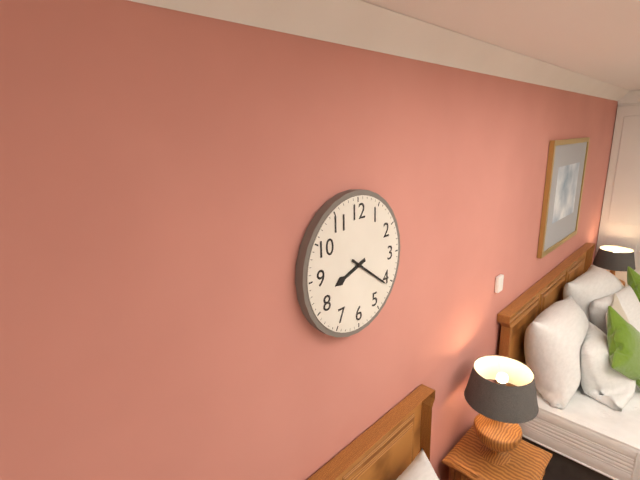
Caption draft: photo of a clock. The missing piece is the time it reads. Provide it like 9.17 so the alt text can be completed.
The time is 8.21
